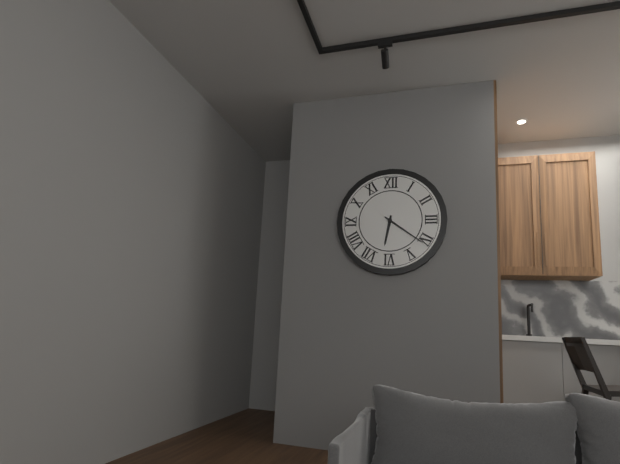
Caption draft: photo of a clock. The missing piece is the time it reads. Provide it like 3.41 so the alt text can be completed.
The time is 6.21
